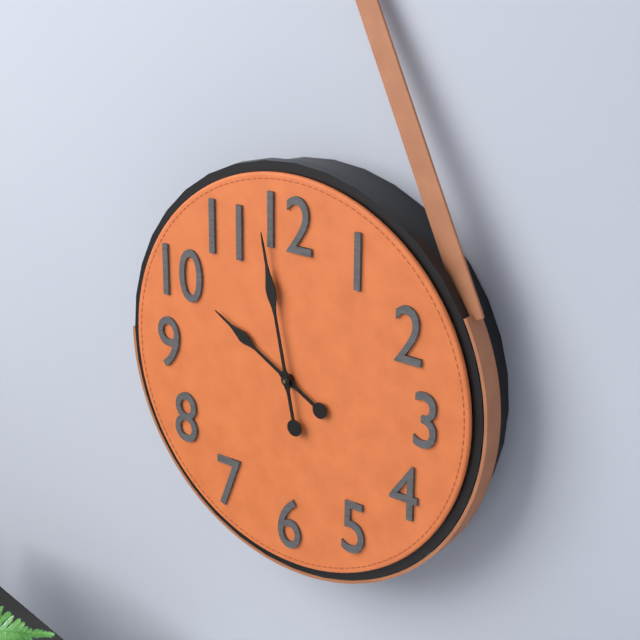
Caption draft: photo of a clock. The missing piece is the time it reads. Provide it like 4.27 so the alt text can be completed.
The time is 9.58
